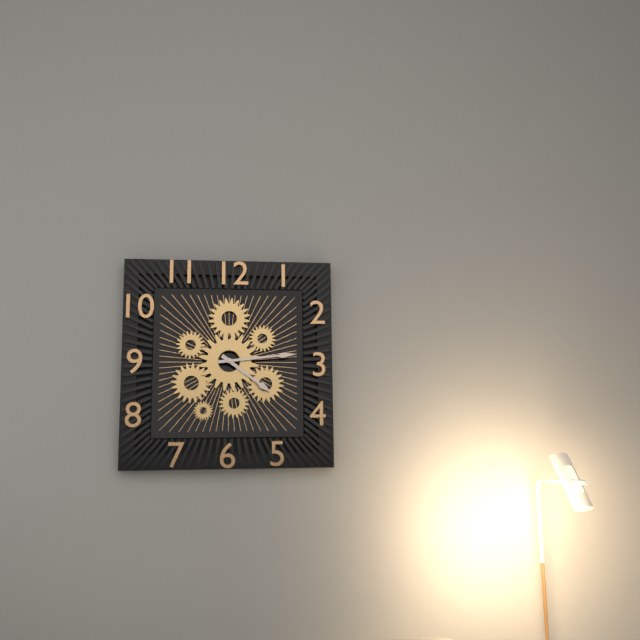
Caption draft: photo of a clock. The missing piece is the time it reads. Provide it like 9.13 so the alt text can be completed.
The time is 4.14
